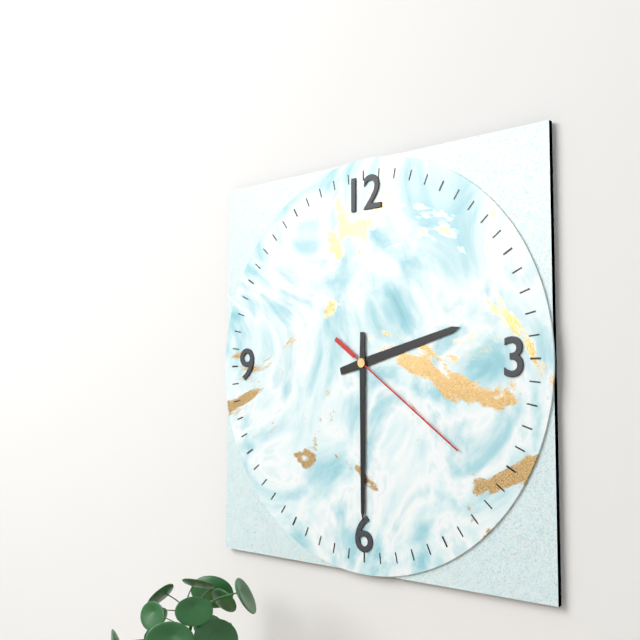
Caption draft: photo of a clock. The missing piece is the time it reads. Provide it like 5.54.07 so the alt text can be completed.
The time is 2.30.21
